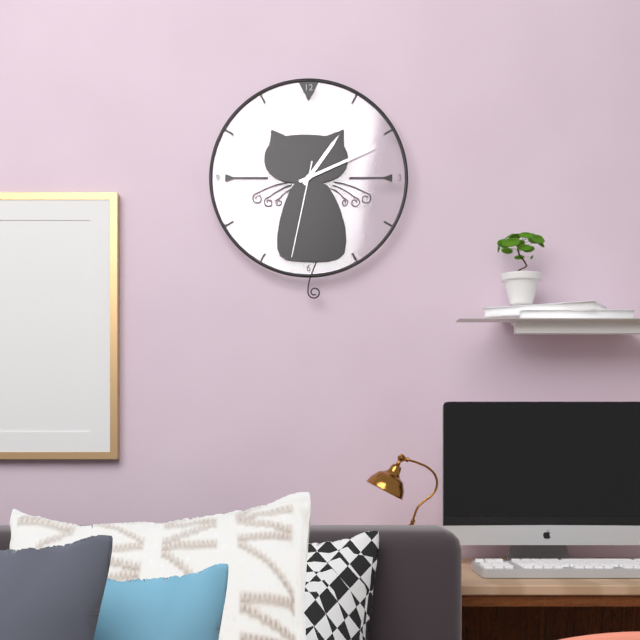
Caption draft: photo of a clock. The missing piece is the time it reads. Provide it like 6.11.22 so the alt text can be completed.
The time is 1.11.32
